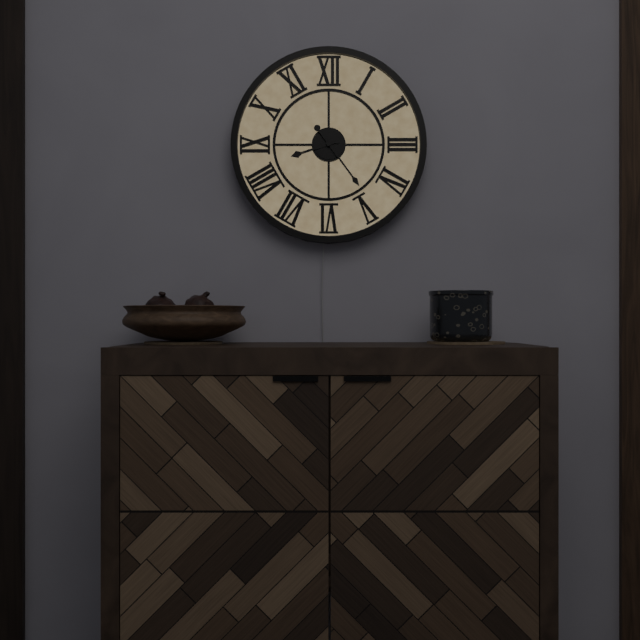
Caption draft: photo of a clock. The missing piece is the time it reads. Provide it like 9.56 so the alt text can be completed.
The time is 8.24
